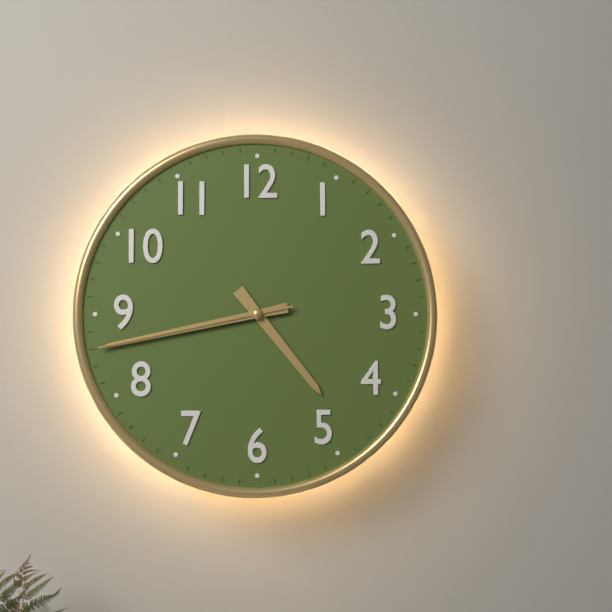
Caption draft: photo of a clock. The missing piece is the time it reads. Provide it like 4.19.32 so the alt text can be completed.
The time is 4.43.43
